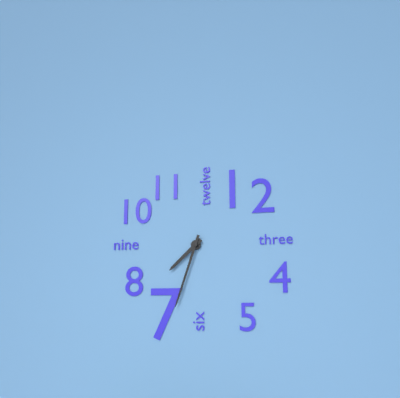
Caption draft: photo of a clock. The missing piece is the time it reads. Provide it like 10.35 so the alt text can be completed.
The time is 7.33
